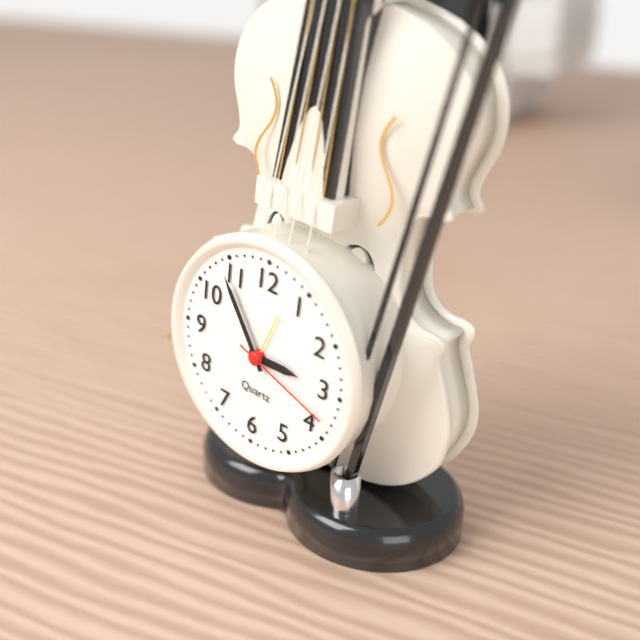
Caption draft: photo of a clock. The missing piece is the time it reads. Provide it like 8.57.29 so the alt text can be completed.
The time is 2.54.18
